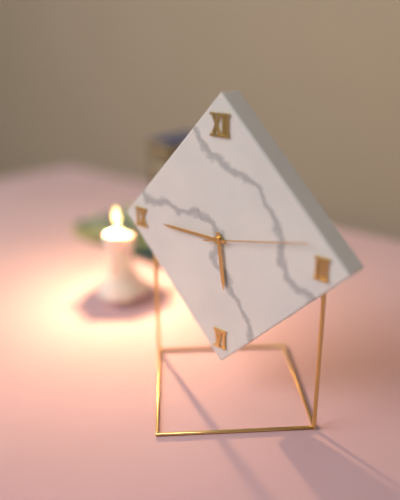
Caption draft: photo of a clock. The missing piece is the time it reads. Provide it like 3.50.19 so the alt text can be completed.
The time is 5.45.13
